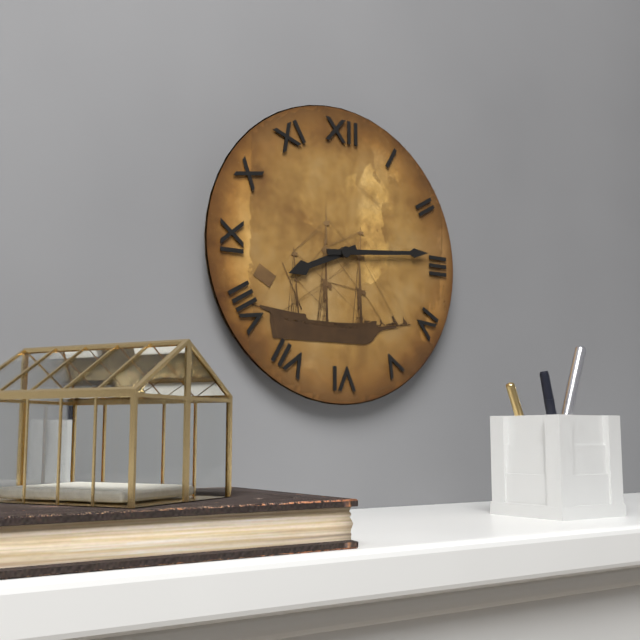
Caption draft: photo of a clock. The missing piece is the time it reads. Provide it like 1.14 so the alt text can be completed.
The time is 8.14
